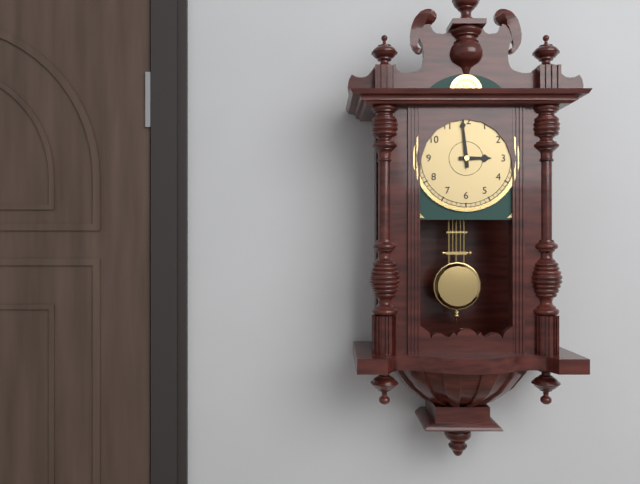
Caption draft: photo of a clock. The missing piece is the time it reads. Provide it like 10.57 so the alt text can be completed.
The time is 2.59
